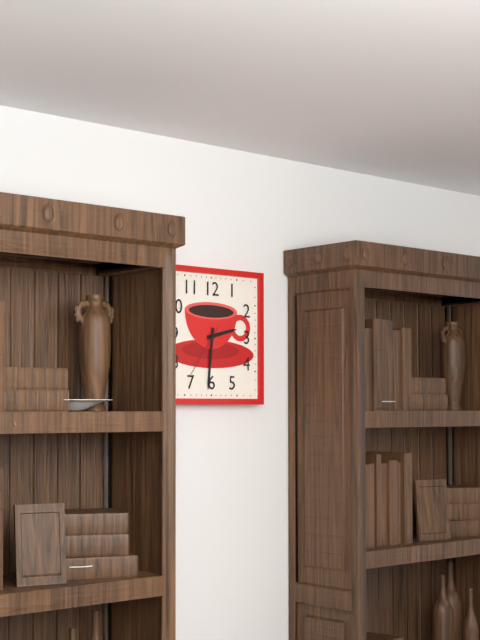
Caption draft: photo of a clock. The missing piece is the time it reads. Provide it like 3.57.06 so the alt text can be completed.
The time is 2.31.36
